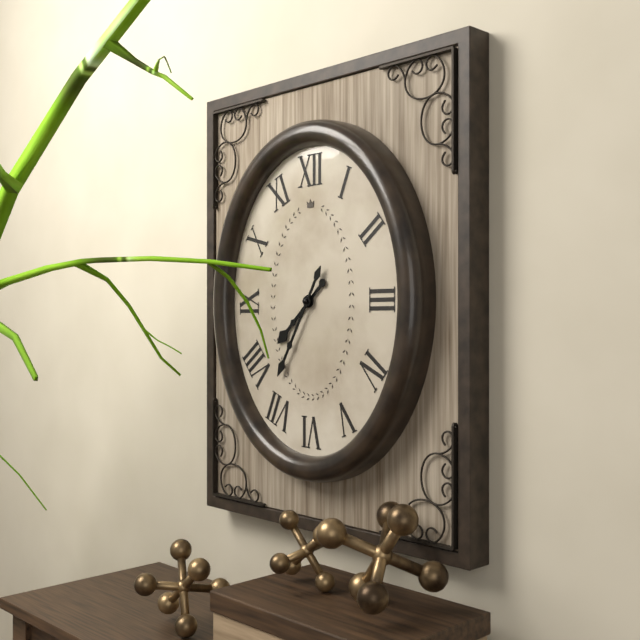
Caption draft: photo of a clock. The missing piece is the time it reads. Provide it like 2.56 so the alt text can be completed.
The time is 7.35
